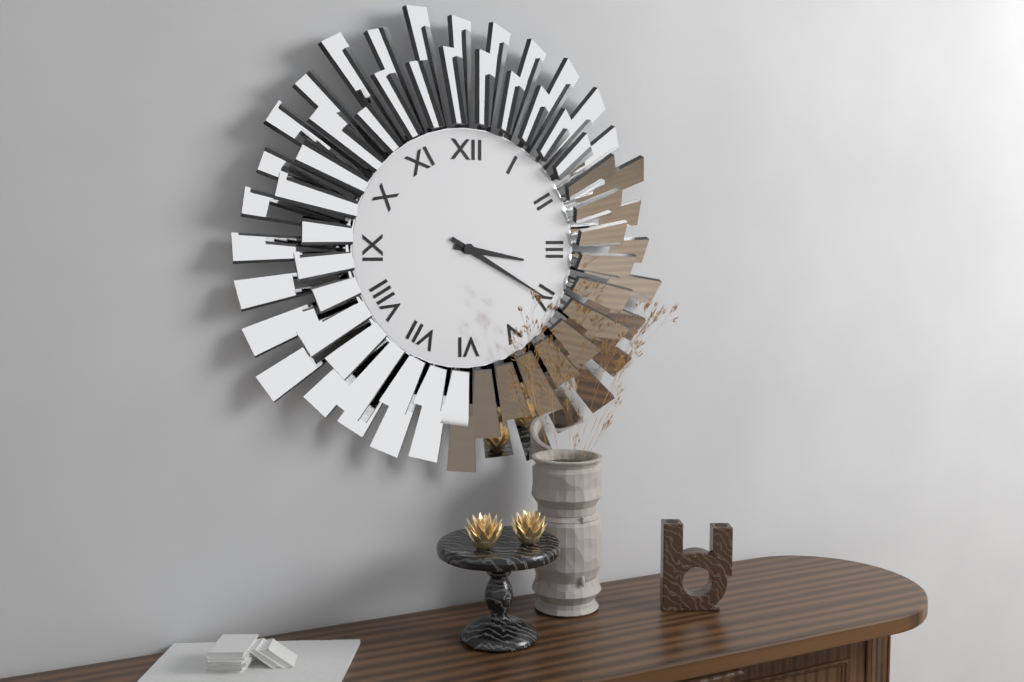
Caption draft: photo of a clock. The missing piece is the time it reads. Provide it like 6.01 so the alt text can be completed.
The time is 3.20
